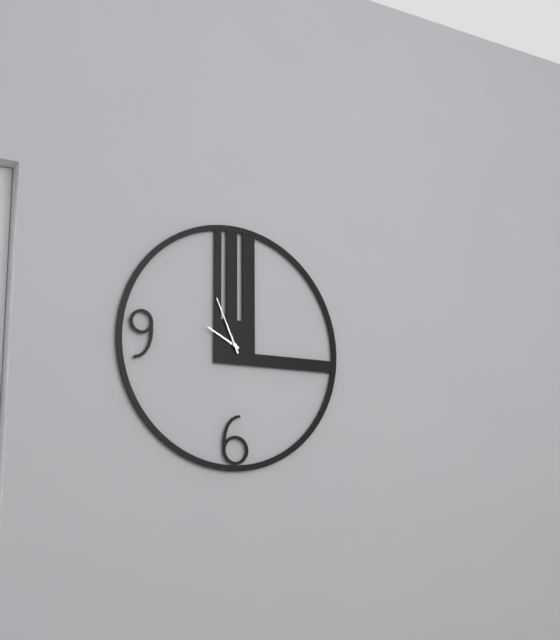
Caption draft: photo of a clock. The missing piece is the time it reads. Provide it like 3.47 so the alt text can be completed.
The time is 9.56
